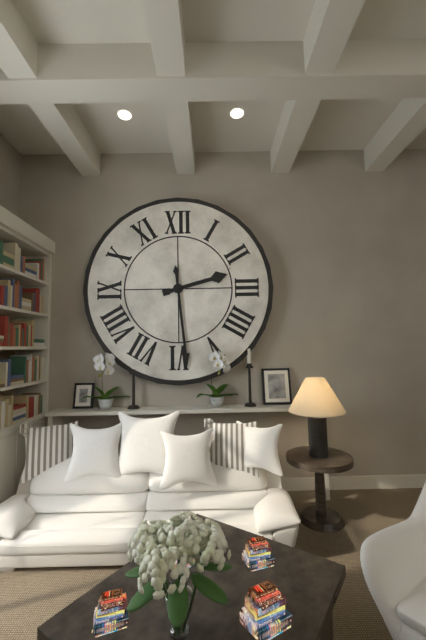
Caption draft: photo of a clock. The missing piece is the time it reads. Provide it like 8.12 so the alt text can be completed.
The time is 2.29
